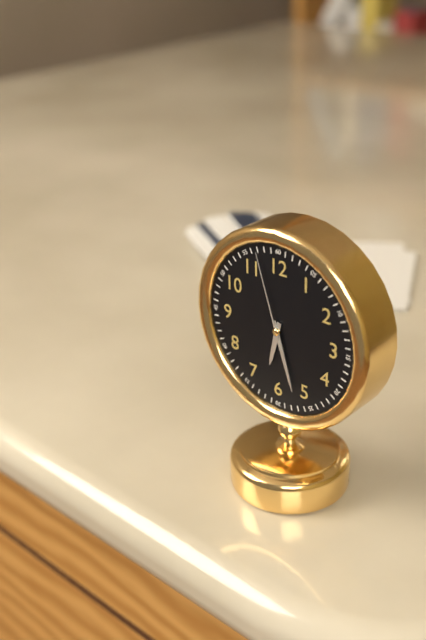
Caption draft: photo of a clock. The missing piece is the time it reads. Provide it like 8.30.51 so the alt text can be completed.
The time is 6.27.57
